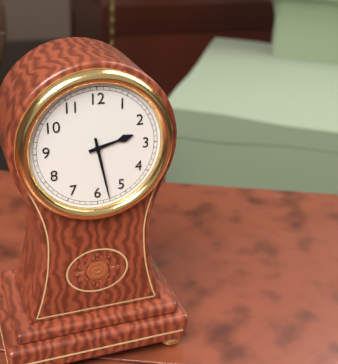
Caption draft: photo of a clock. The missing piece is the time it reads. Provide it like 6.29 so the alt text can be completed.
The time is 2.28
